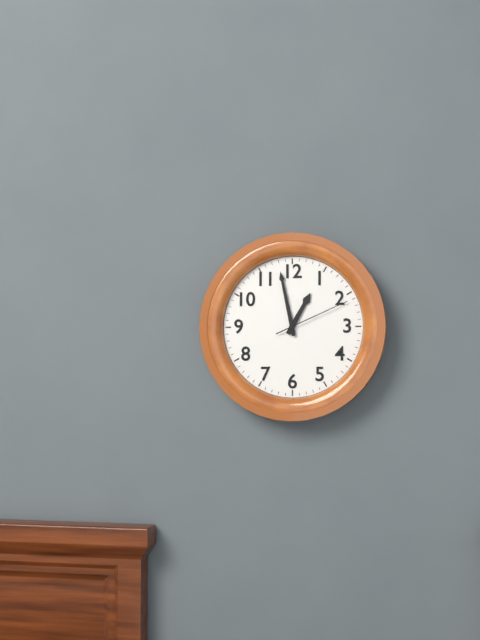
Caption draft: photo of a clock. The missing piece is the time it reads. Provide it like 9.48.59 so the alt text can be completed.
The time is 12.58.11
